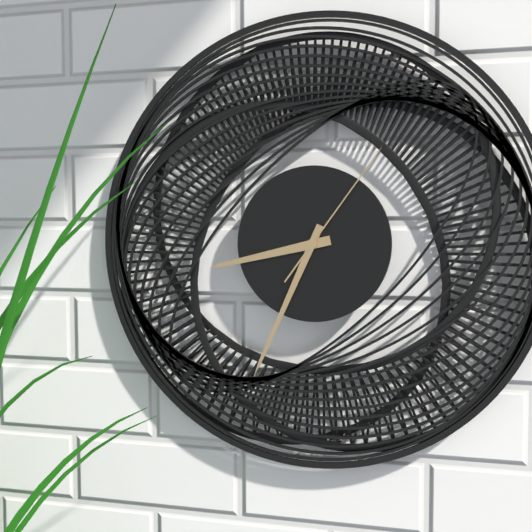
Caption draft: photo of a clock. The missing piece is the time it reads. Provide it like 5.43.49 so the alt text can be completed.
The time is 8.34.06
